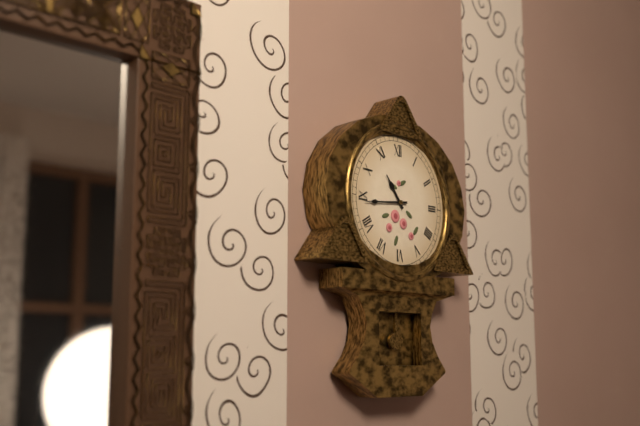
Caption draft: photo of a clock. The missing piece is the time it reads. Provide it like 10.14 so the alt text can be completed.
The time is 10.44
